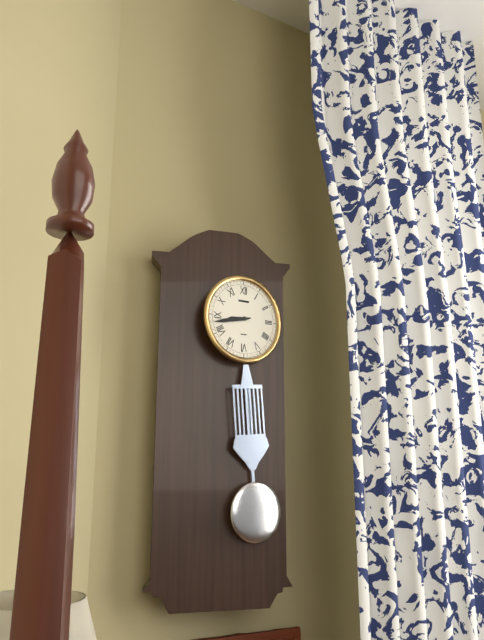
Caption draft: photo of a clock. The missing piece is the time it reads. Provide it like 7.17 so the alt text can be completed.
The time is 8.43
